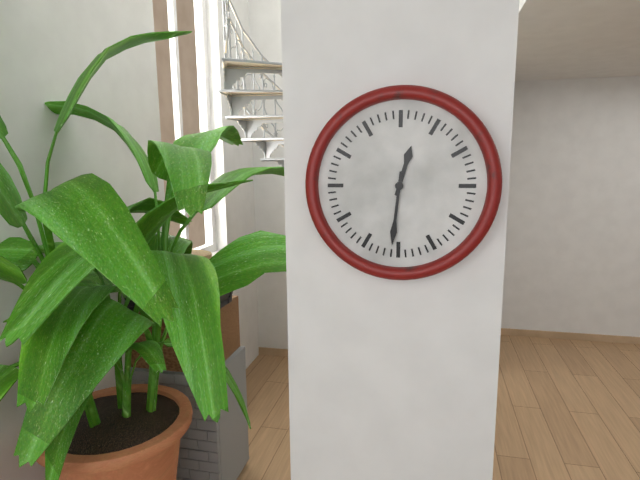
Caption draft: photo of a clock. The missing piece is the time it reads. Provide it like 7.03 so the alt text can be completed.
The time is 12.31
